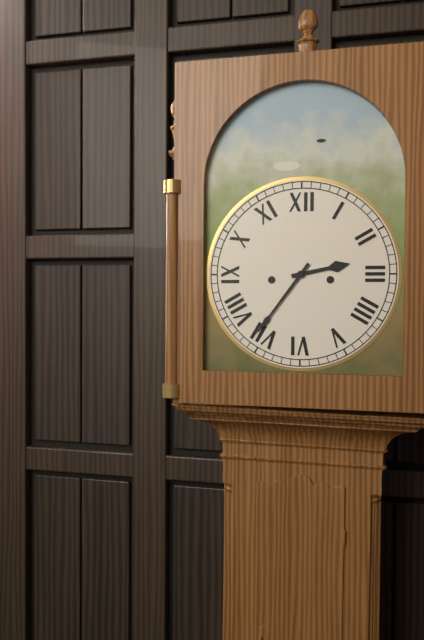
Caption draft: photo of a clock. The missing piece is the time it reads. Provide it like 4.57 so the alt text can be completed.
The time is 2.36
